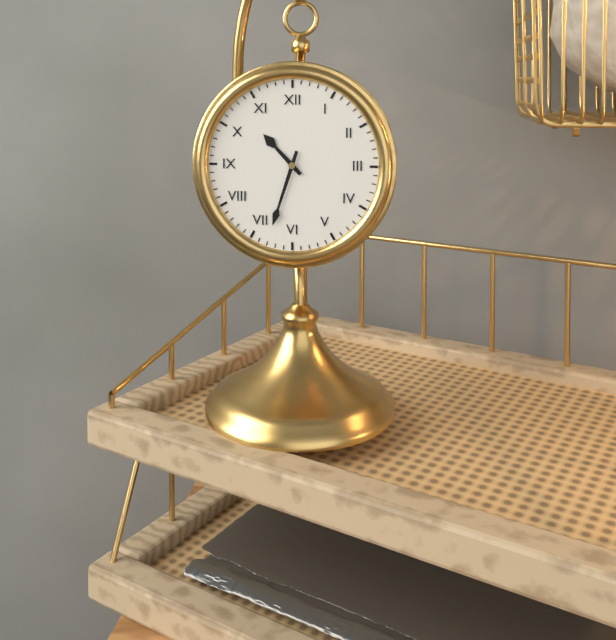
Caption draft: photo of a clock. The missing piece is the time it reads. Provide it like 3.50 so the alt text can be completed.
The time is 10.33
